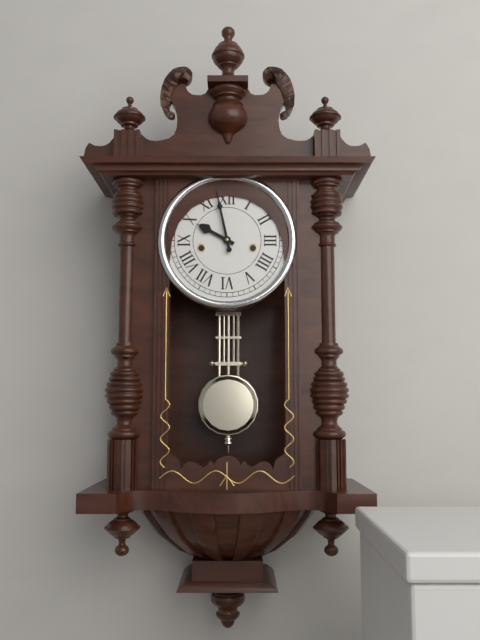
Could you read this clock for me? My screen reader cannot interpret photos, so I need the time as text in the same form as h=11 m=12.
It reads h=9 m=58
